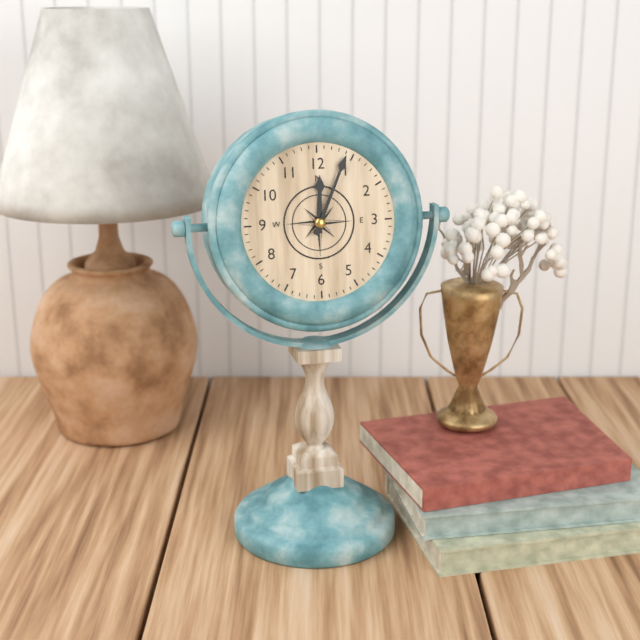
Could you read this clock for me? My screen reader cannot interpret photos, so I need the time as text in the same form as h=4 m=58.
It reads h=12 m=4
